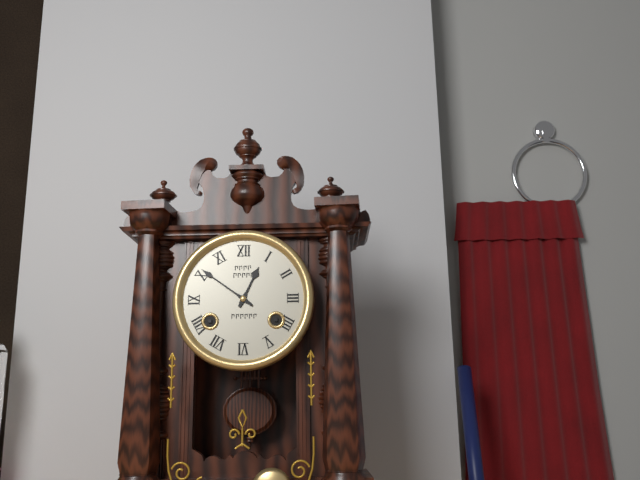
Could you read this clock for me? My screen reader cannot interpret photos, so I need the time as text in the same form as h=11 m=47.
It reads h=12 m=51
